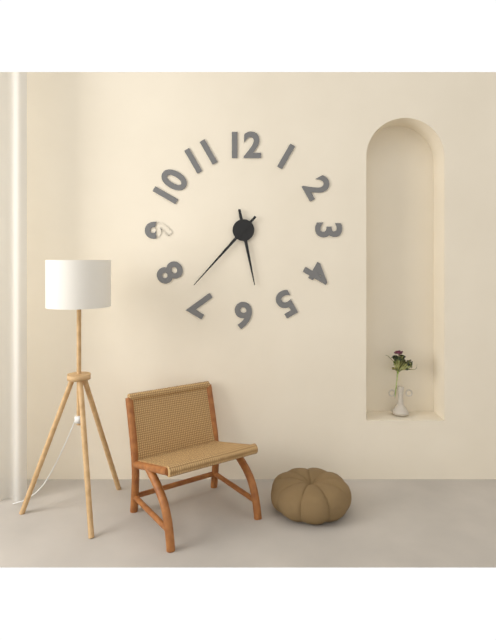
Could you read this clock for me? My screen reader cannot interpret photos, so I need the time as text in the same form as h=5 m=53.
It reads h=5 m=37
